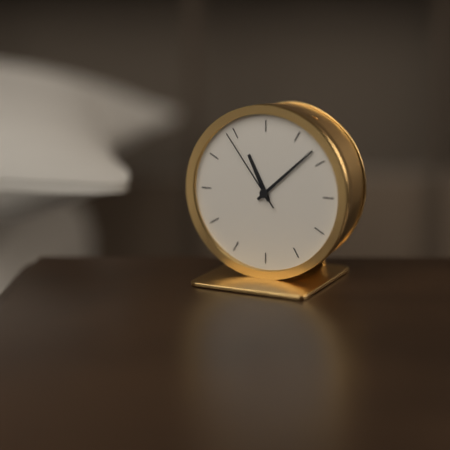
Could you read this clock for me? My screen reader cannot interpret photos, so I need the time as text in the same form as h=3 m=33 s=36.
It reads h=11 m=8 s=54
